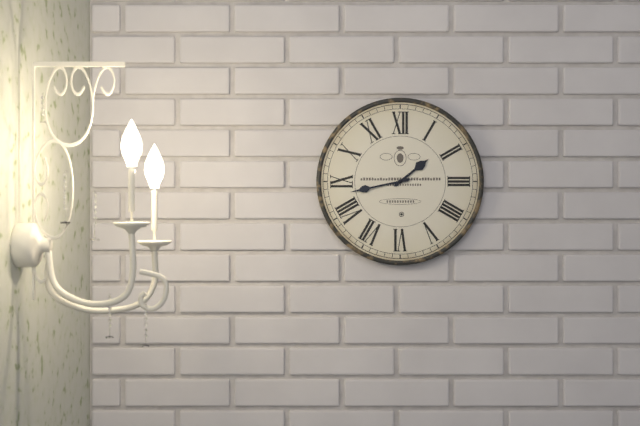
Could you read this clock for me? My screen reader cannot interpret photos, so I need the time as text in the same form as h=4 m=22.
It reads h=1 m=43
